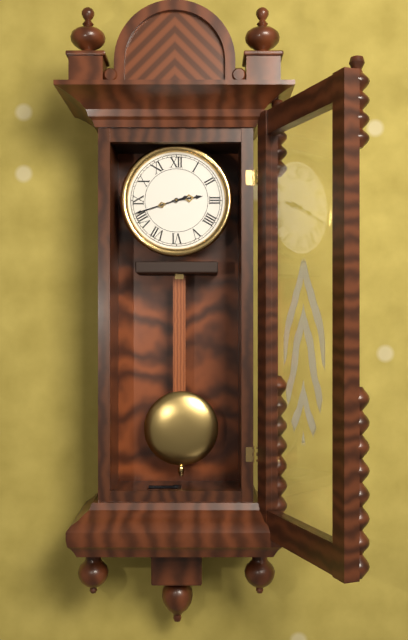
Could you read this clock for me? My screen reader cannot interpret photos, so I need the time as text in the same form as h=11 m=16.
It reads h=2 m=42
